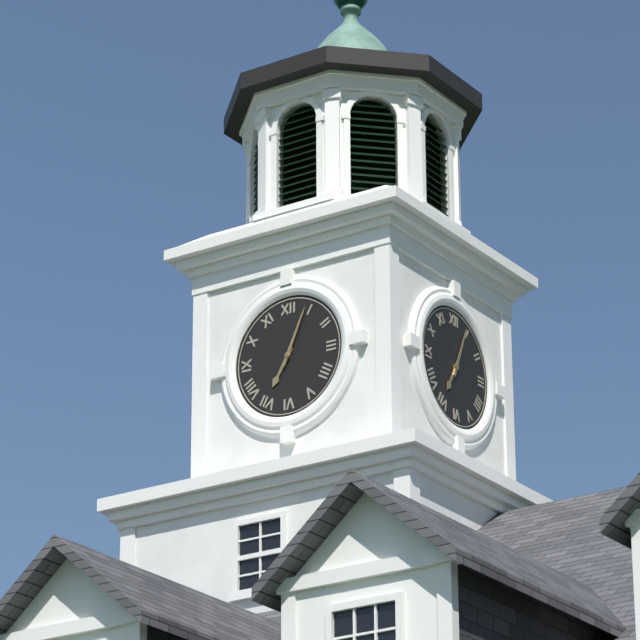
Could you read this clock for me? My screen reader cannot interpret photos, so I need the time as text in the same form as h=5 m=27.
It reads h=7 m=4
